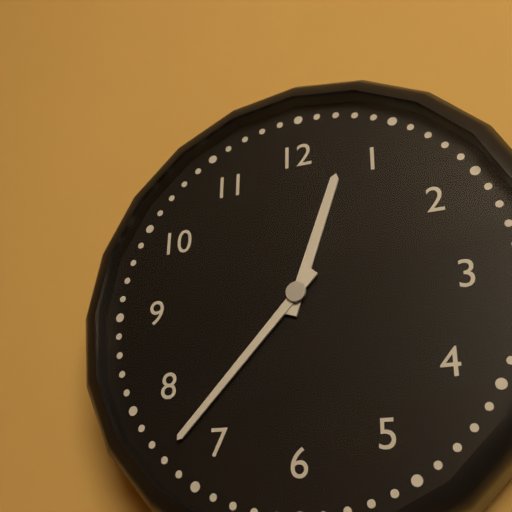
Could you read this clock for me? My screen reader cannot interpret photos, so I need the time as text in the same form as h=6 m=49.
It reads h=12 m=37
